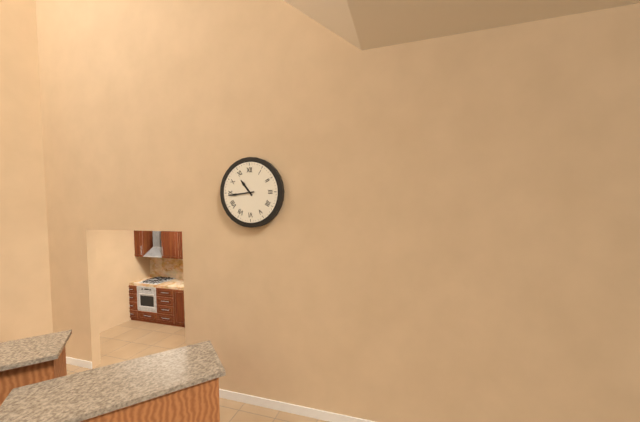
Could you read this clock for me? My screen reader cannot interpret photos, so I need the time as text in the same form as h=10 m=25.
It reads h=10 m=44
